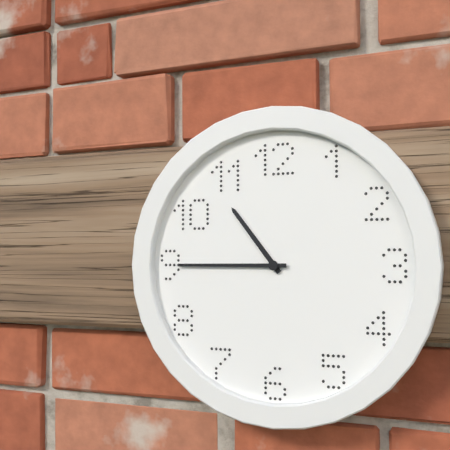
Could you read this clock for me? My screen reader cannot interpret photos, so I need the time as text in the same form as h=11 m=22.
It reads h=10 m=45
